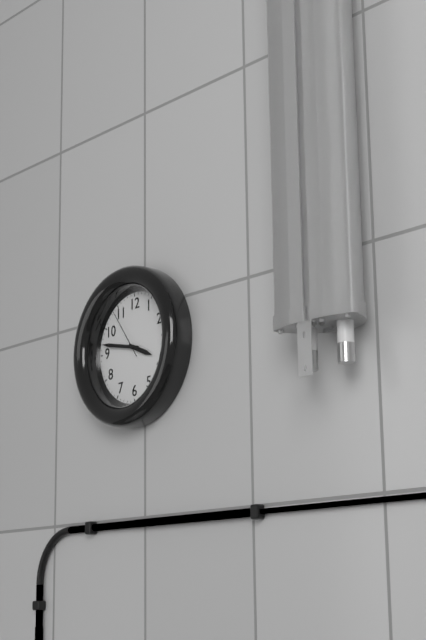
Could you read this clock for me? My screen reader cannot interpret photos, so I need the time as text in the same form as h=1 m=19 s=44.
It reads h=3 m=47 s=54
